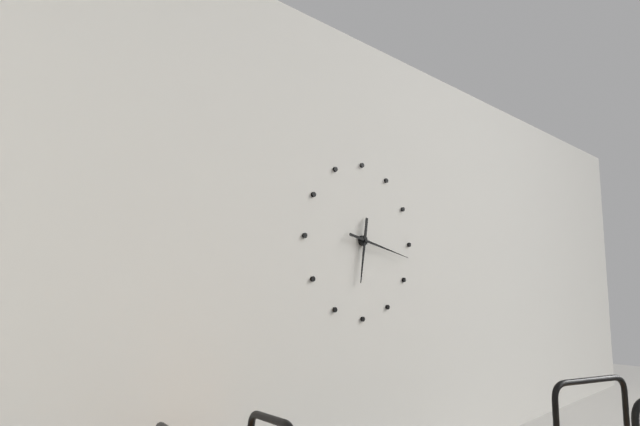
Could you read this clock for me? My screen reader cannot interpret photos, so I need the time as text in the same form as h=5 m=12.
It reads h=6 m=17
